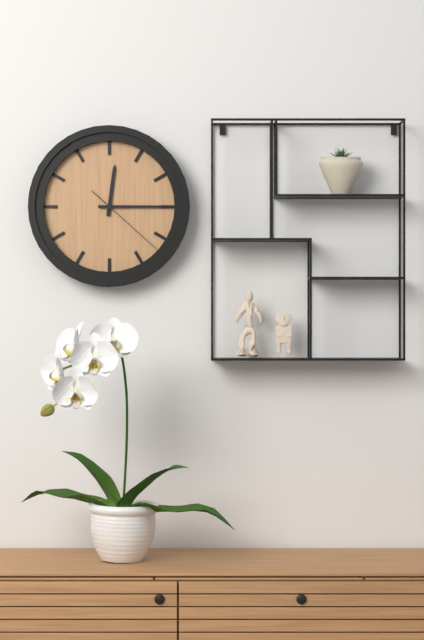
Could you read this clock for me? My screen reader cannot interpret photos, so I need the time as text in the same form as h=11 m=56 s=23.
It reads h=12 m=15 s=22
